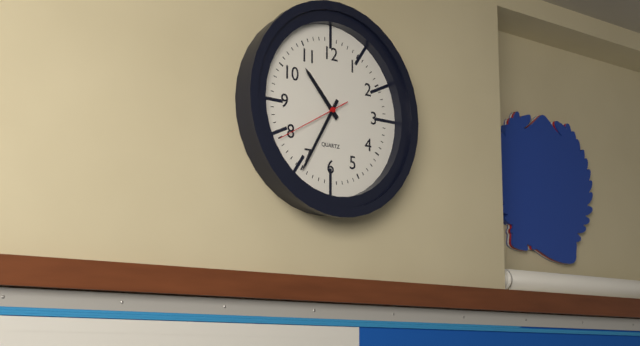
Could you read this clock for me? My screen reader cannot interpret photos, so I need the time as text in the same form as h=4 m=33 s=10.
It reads h=10 m=35 s=40
